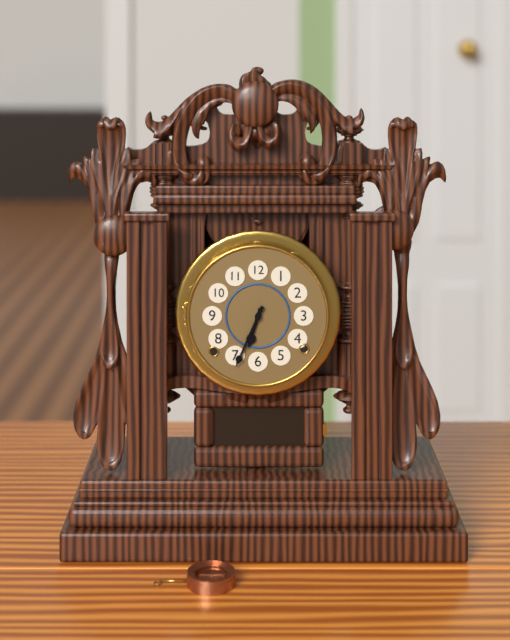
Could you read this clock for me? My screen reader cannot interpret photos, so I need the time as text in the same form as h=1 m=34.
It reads h=6 m=34
